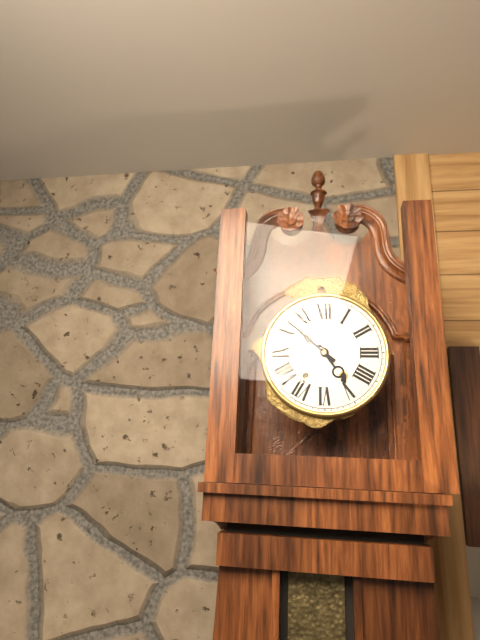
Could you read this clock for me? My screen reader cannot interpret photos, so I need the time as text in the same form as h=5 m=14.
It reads h=4 m=52
